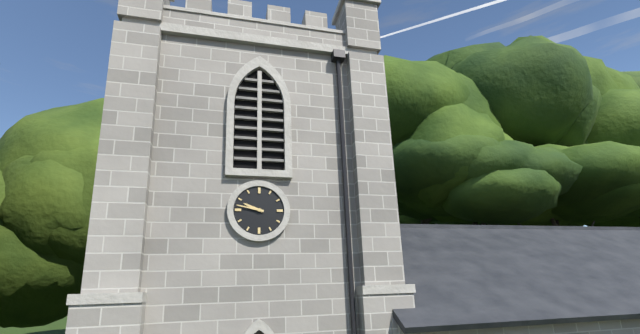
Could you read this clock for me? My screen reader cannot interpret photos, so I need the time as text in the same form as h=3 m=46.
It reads h=9 m=47
